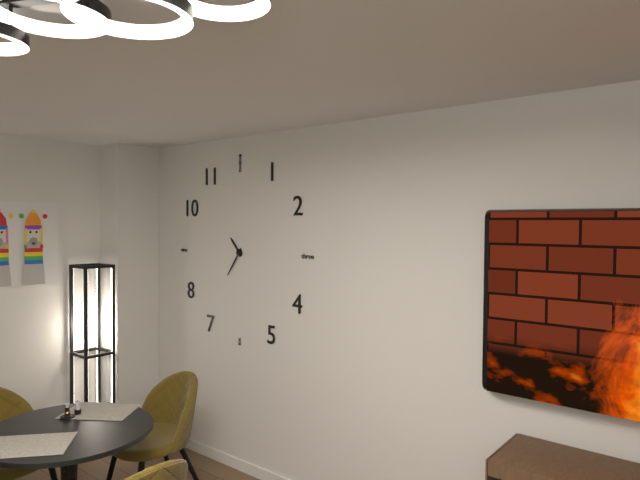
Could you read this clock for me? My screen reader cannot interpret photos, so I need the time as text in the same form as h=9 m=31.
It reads h=10 m=36
